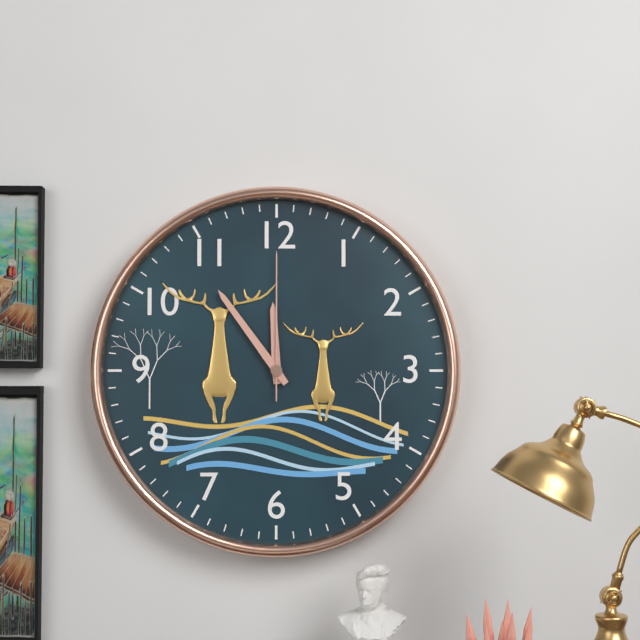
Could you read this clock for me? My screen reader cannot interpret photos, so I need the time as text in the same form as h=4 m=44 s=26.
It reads h=11 m=54 s=0
